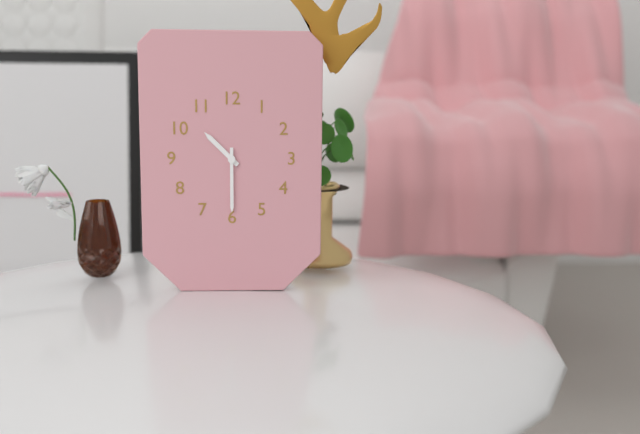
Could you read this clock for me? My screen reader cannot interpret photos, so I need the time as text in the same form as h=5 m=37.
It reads h=10 m=30
